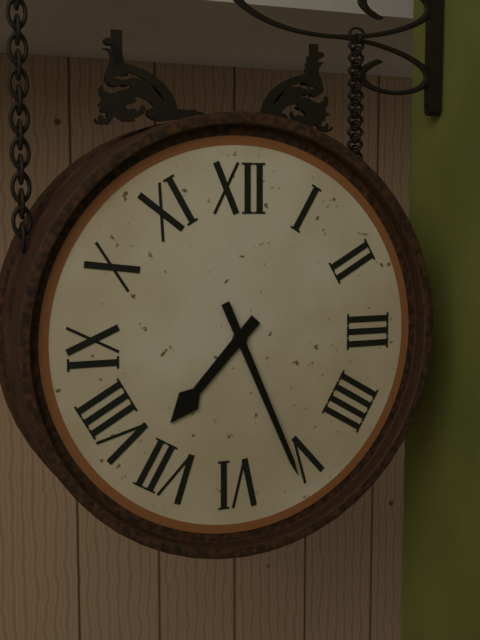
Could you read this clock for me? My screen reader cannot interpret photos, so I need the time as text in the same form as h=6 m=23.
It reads h=7 m=26
